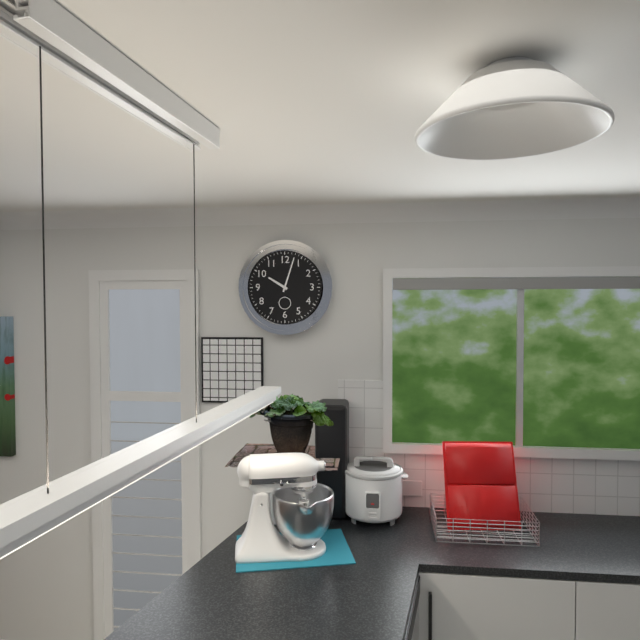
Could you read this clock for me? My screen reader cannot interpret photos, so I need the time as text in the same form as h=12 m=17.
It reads h=10 m=3
